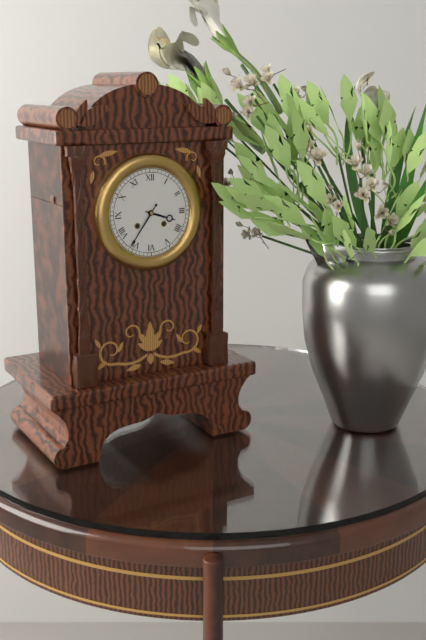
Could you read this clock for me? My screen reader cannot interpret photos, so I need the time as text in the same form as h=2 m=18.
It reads h=3 m=36
